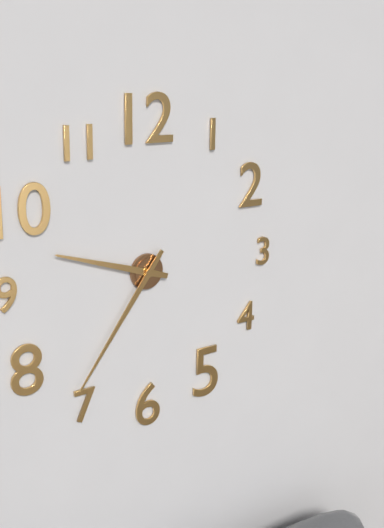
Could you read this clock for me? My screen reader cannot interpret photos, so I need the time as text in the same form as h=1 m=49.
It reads h=9 m=36
